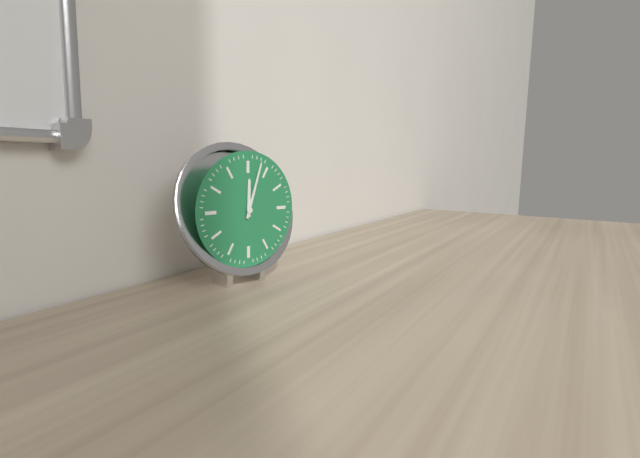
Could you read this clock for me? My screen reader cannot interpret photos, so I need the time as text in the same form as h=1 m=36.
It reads h=12 m=3
